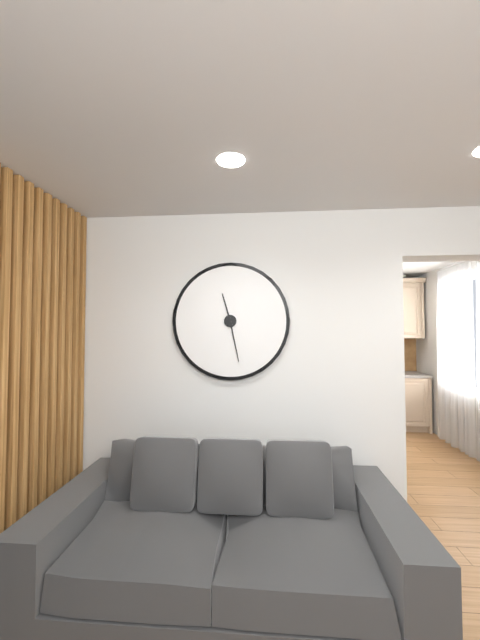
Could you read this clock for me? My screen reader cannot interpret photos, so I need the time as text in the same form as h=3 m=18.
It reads h=11 m=28
